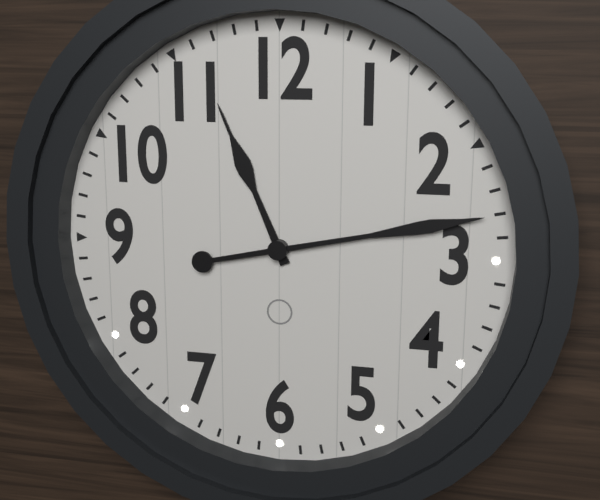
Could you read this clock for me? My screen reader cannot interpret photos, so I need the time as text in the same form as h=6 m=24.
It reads h=11 m=13
